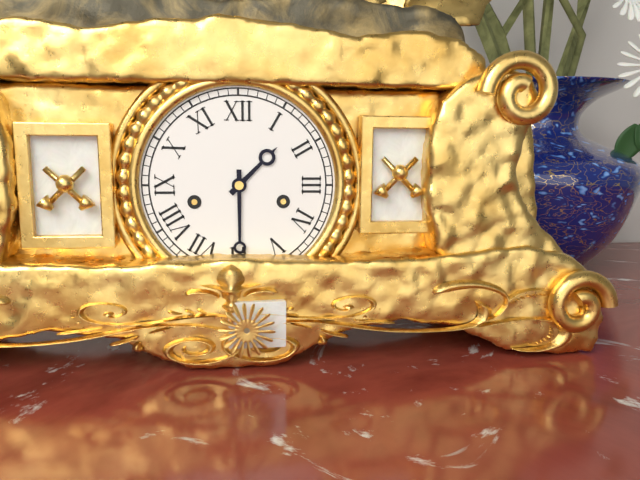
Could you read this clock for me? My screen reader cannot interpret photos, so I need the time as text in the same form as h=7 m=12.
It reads h=1 m=30
